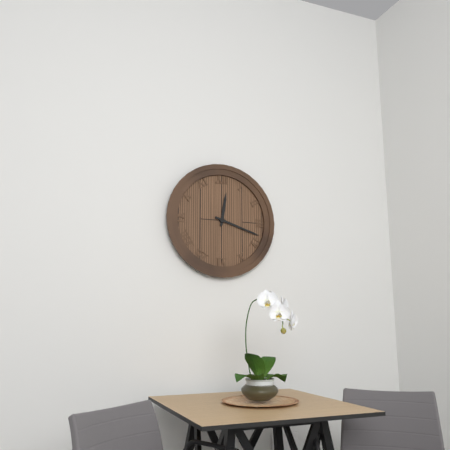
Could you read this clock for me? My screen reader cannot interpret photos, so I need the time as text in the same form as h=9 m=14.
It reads h=12 m=18
